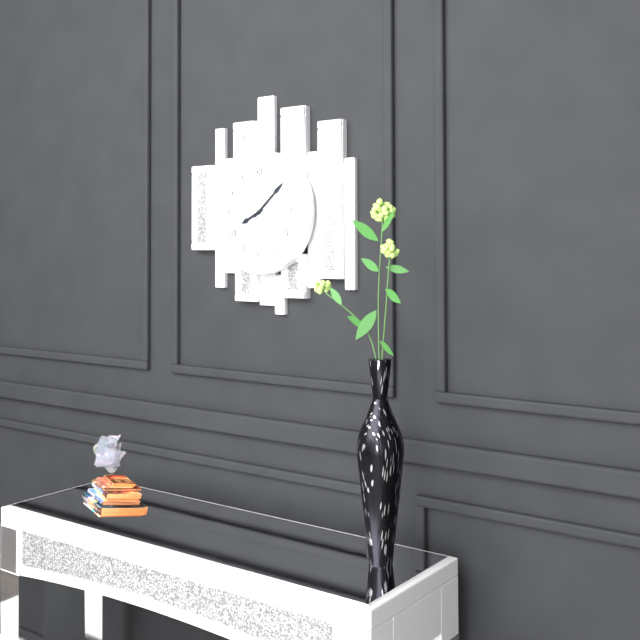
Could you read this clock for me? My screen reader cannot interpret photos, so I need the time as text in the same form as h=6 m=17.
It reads h=8 m=8
